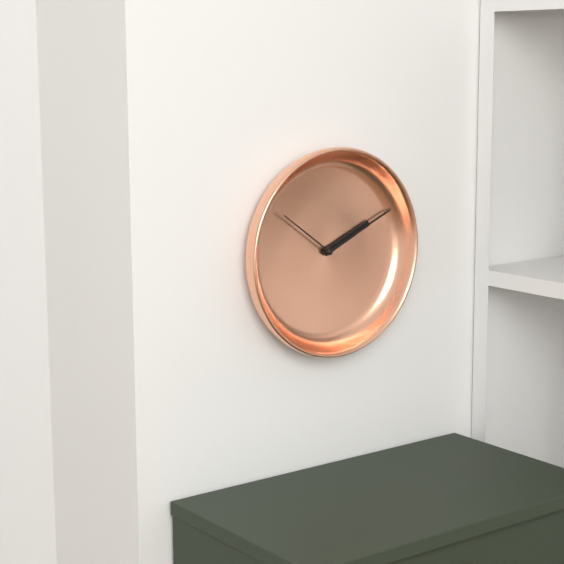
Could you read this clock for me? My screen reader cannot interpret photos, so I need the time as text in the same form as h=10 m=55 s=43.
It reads h=2 m=11 s=51
